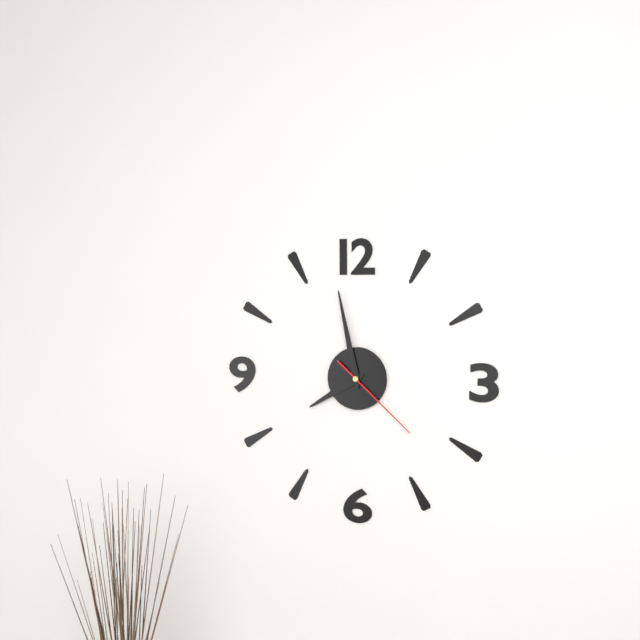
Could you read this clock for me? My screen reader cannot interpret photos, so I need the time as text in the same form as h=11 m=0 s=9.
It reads h=7 m=58 s=22
